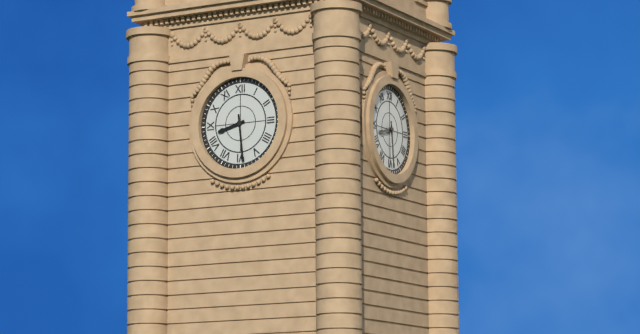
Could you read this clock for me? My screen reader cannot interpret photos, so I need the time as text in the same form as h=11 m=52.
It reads h=8 m=29
